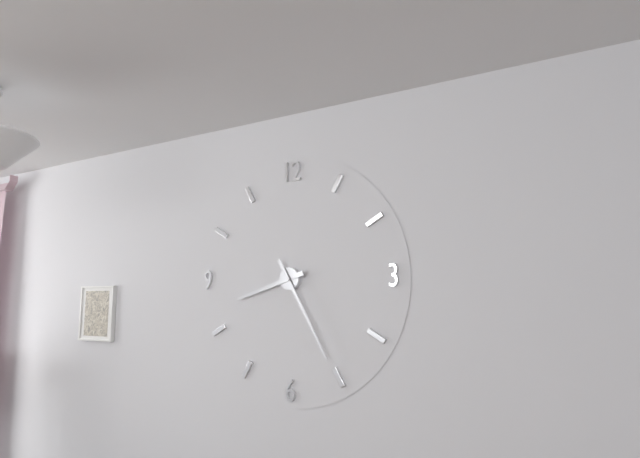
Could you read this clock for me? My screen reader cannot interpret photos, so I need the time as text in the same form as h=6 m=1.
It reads h=8 m=25
